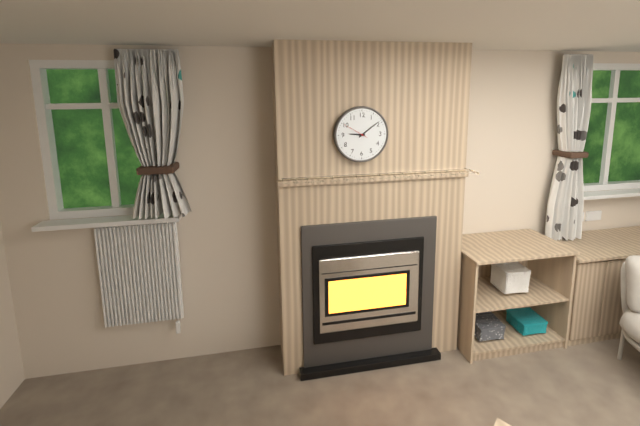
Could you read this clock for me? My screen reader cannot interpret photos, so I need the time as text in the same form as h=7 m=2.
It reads h=9 m=9
